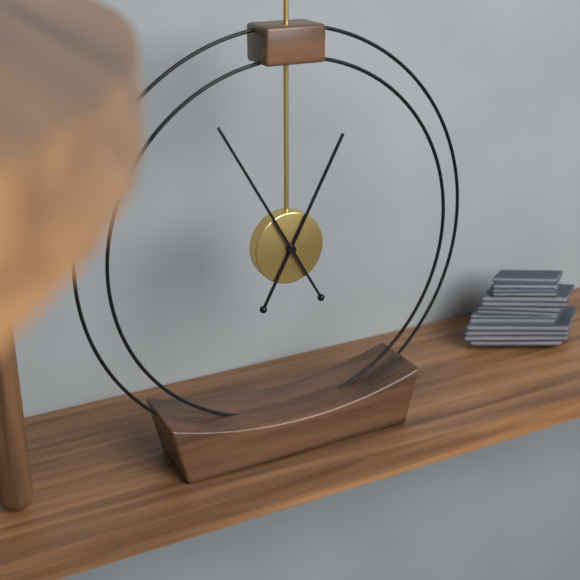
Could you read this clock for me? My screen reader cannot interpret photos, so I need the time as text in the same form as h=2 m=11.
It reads h=12 m=55
